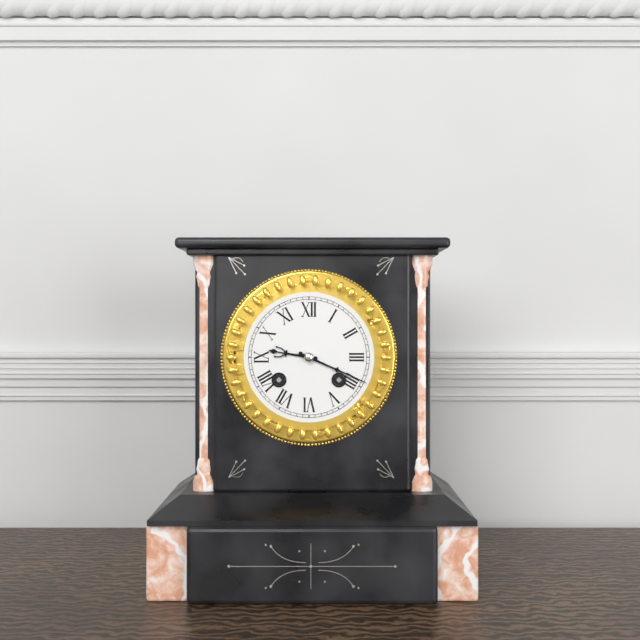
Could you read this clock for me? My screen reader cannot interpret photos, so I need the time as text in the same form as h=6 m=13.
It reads h=9 m=19
